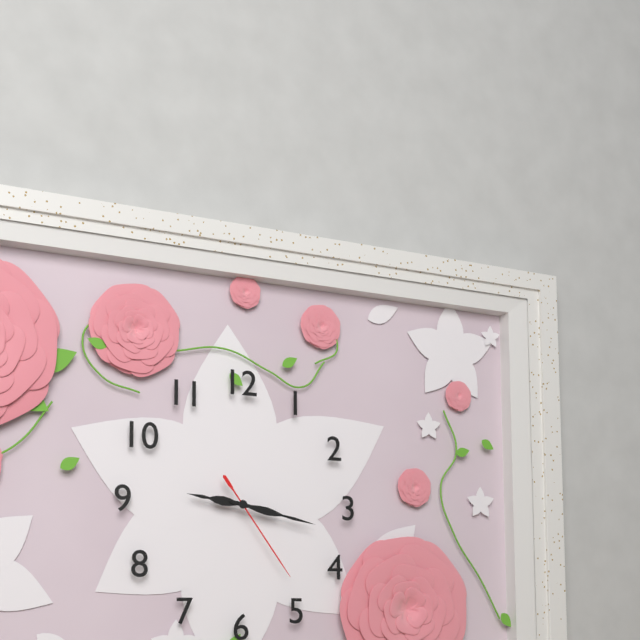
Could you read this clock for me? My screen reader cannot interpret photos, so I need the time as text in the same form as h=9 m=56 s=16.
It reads h=9 m=17 s=24
